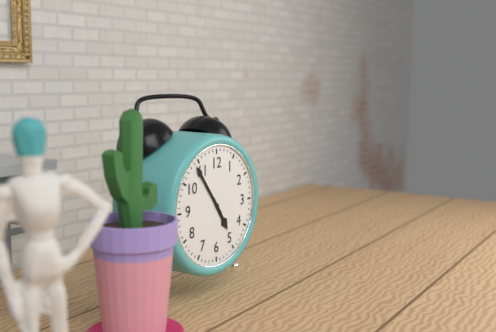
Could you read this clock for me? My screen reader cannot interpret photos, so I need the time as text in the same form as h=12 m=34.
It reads h=4 m=54
